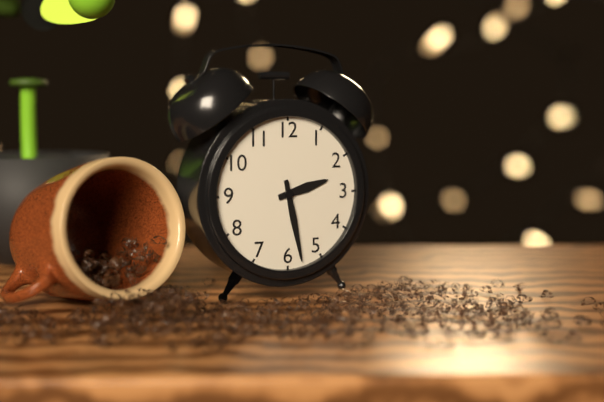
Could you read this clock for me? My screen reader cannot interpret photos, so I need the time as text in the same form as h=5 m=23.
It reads h=2 m=28
